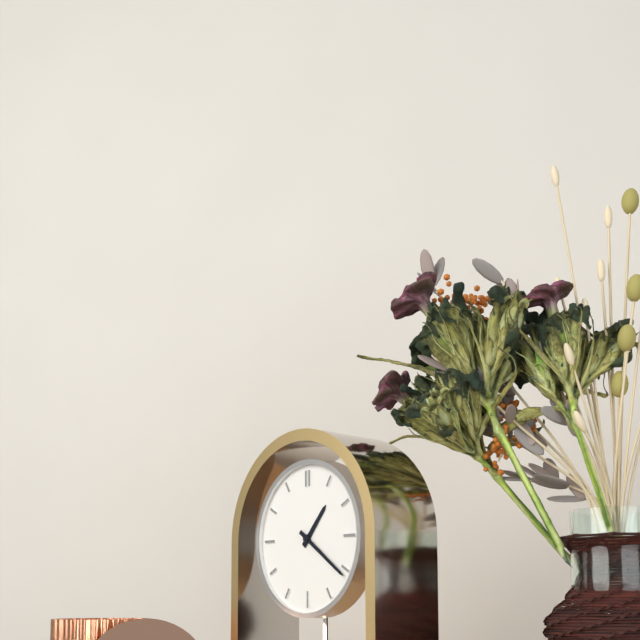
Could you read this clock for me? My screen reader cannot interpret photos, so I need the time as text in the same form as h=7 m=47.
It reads h=1 m=21
